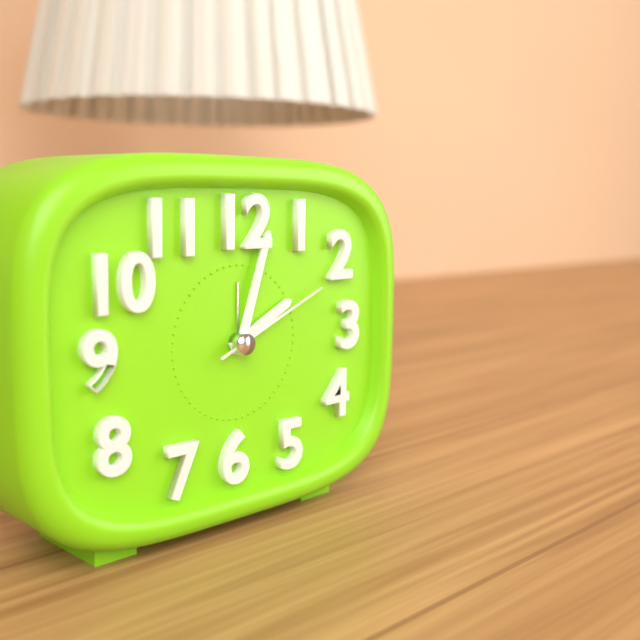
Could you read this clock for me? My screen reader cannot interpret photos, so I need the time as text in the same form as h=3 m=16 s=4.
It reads h=2 m=3 s=11
